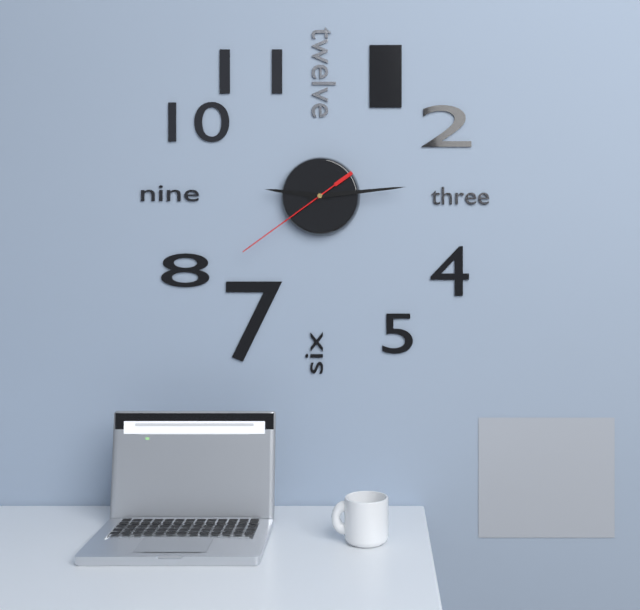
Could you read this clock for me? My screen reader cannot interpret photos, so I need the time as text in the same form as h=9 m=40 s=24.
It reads h=9 m=14 s=39
